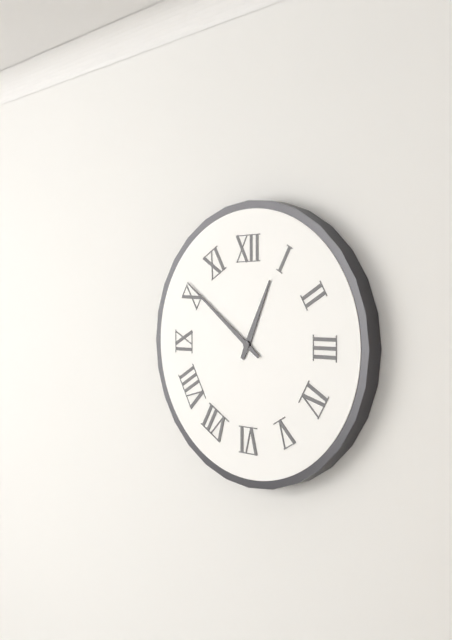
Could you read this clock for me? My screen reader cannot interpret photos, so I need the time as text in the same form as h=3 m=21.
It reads h=12 m=51
